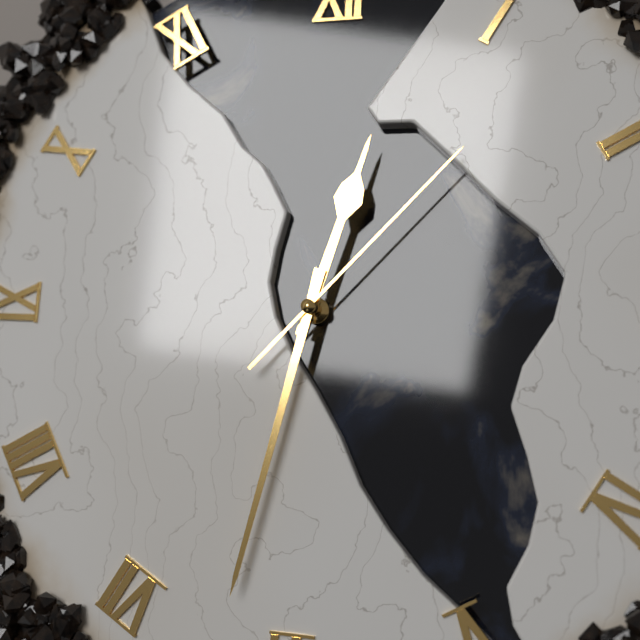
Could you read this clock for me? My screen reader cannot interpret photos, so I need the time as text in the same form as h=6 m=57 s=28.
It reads h=12 m=32 s=7
